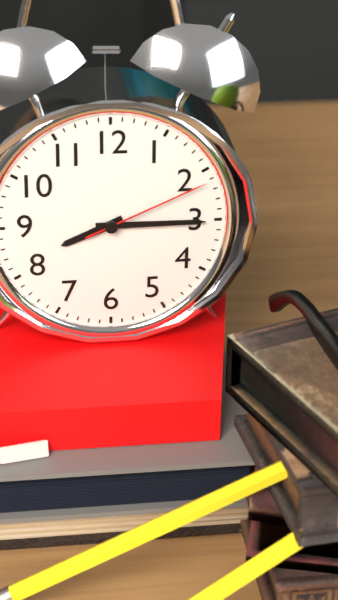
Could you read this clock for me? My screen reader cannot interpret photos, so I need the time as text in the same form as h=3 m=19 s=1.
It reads h=8 m=15 s=11
